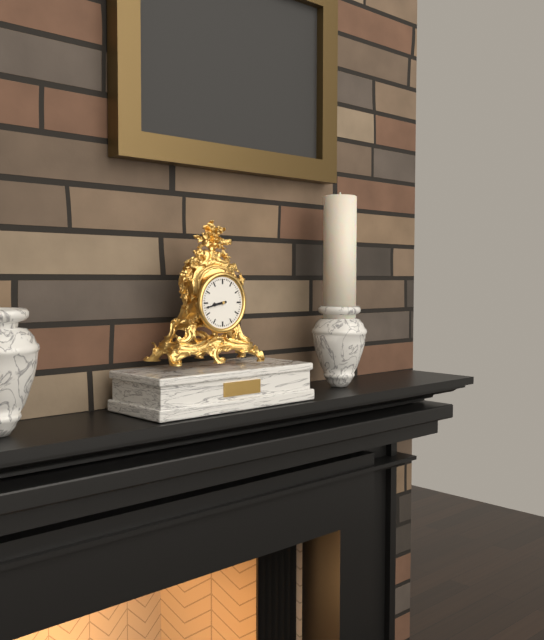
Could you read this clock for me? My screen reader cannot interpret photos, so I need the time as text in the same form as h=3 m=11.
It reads h=8 m=43
